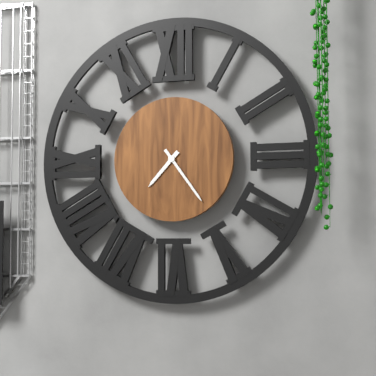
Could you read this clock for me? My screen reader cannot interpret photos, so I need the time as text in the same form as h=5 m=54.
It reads h=7 m=24
